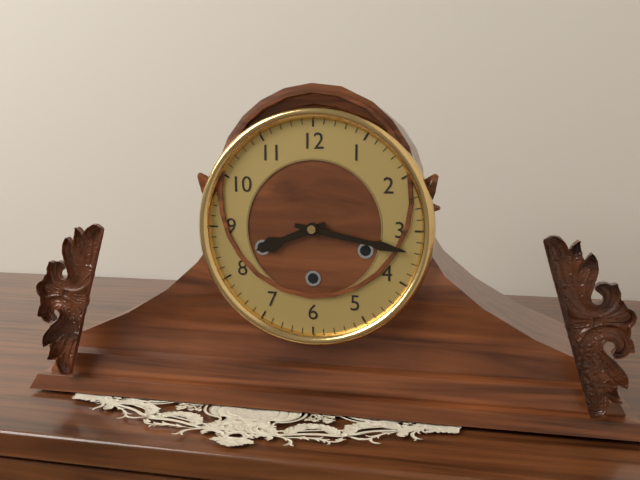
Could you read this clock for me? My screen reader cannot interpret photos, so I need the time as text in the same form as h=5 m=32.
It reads h=8 m=17
